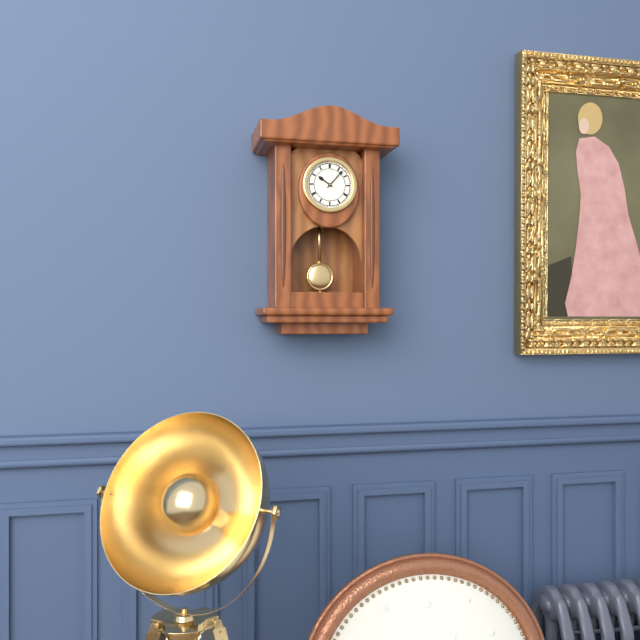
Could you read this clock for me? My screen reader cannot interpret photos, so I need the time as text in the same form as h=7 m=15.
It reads h=10 m=7
